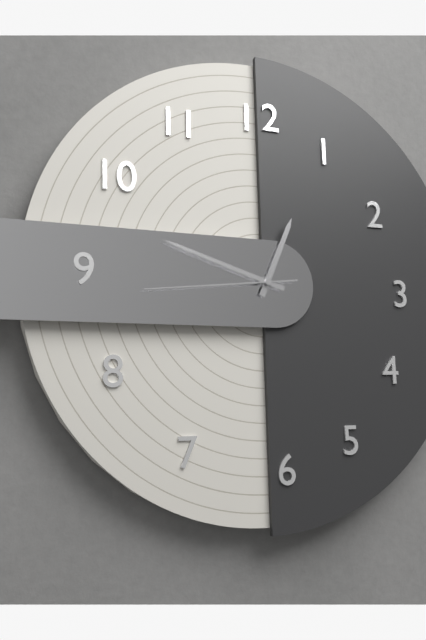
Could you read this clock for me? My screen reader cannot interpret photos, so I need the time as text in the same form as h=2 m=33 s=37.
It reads h=12 m=48 s=44
